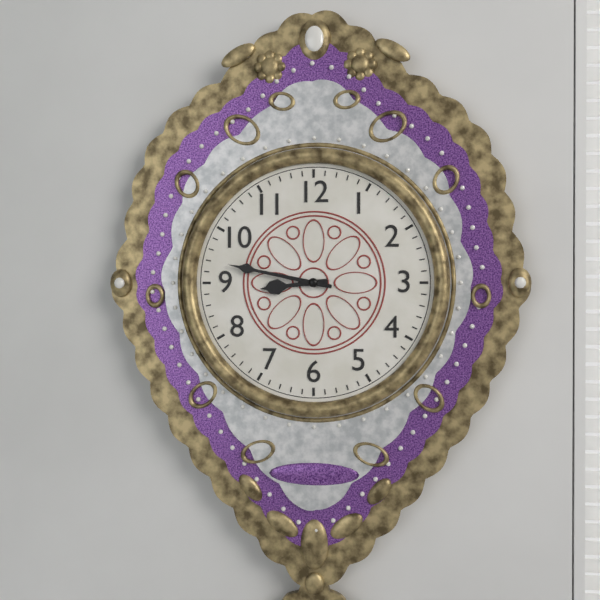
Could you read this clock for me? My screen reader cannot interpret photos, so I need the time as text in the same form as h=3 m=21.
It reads h=8 m=47
